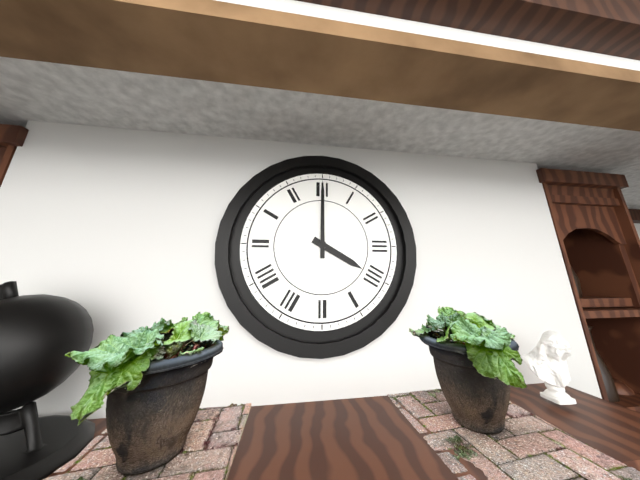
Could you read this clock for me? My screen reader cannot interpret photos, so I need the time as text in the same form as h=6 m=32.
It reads h=4 m=0
